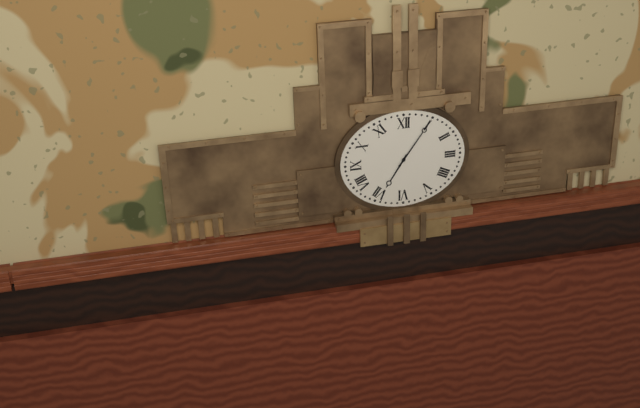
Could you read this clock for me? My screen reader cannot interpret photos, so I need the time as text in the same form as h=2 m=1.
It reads h=7 m=6
